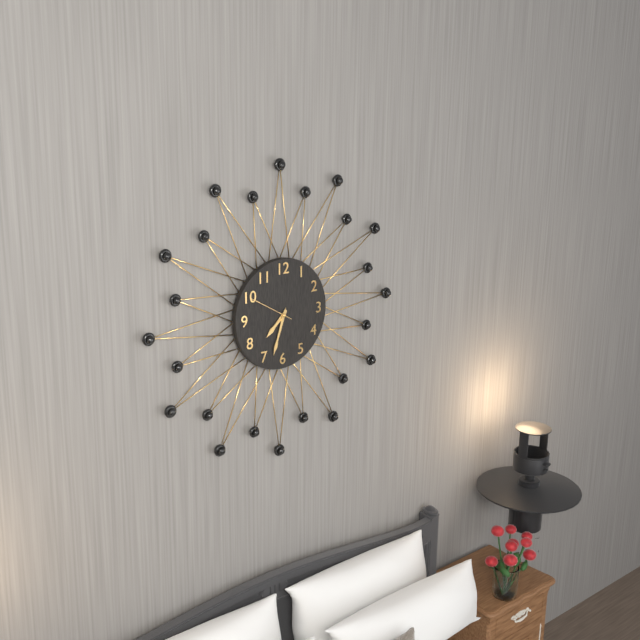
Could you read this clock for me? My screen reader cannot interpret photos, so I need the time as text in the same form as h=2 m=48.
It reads h=7 m=33
